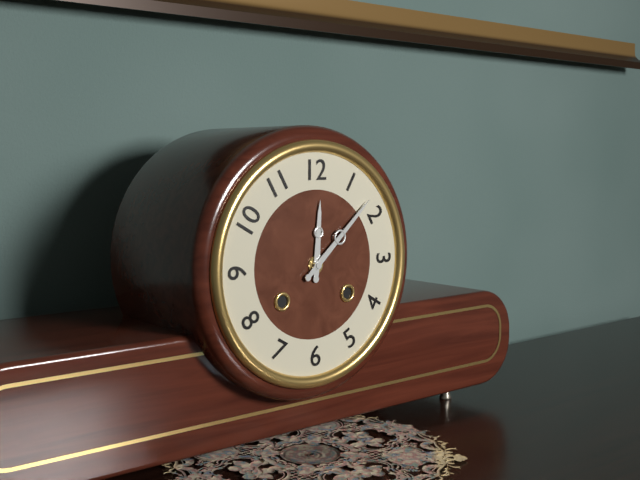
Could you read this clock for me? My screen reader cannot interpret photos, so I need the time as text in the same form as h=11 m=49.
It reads h=12 m=8
